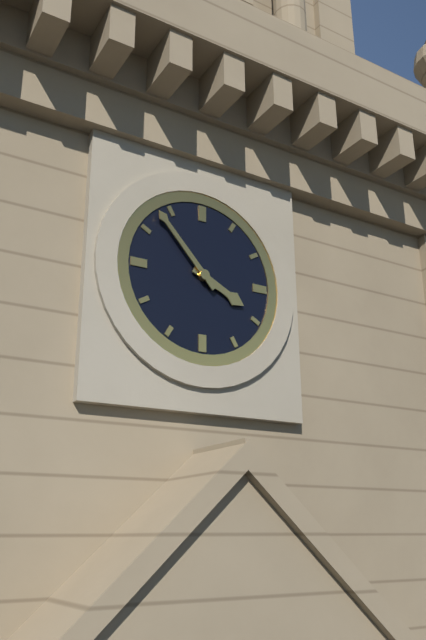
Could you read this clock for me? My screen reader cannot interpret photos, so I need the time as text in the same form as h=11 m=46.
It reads h=3 m=53
